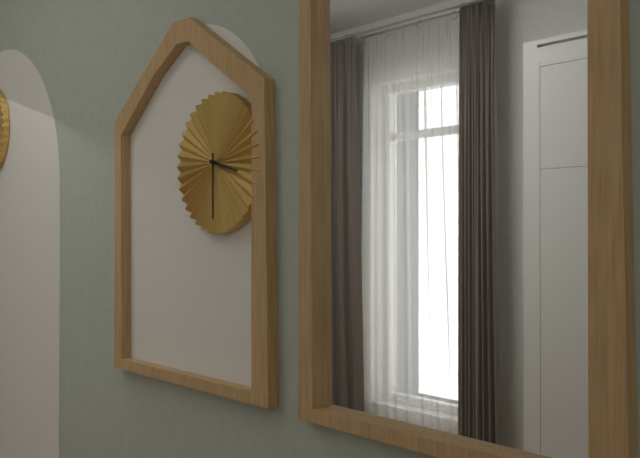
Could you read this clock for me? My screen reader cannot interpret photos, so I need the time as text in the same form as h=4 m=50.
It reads h=3 m=30
